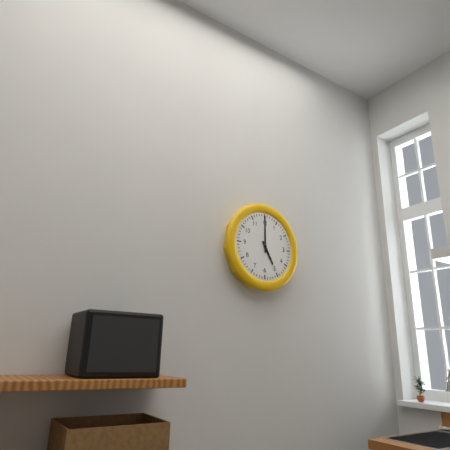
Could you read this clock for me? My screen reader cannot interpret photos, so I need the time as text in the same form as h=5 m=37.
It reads h=5 m=0
